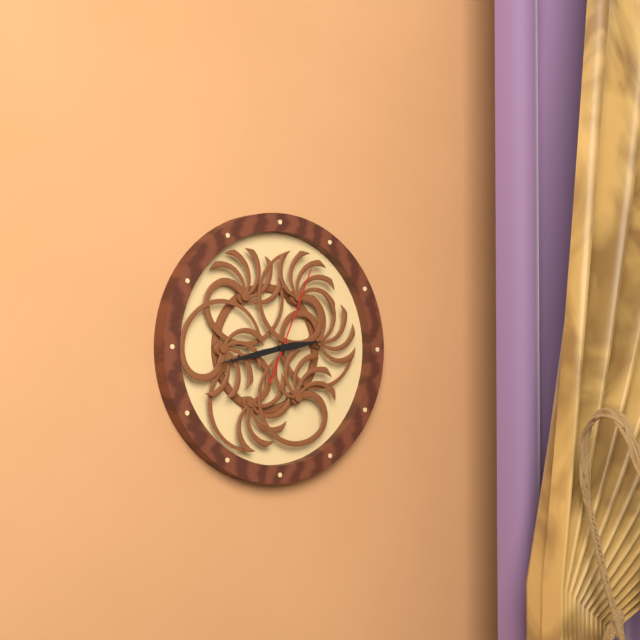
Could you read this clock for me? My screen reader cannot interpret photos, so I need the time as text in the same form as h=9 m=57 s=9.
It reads h=2 m=43 s=4
